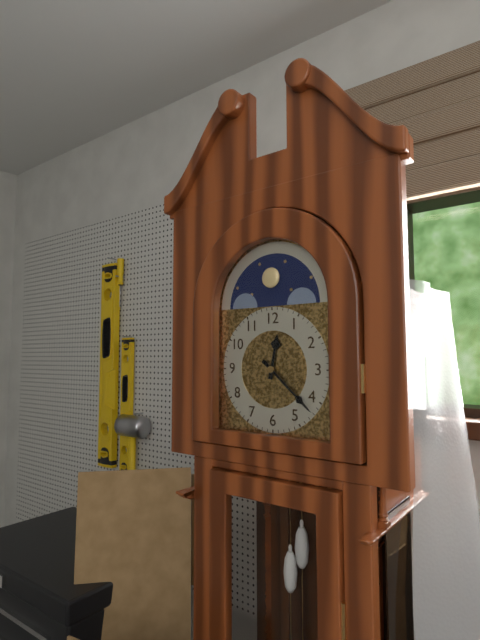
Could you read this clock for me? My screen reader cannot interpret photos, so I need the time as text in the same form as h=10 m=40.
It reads h=12 m=22
